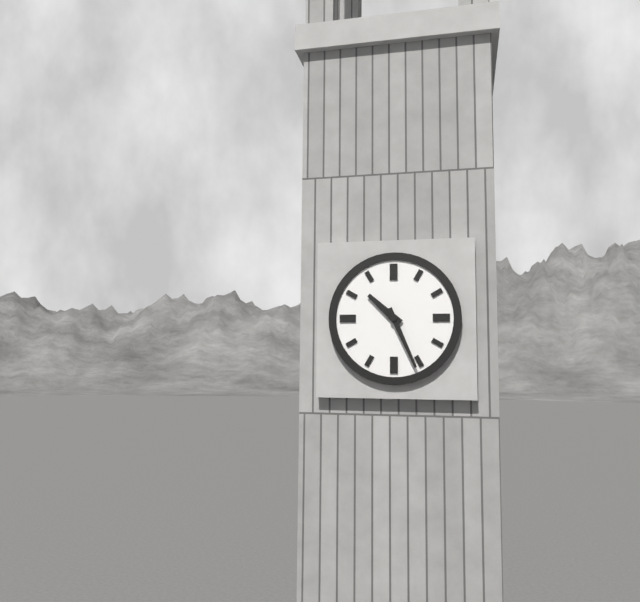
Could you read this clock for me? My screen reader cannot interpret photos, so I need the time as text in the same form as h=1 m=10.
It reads h=10 m=26
